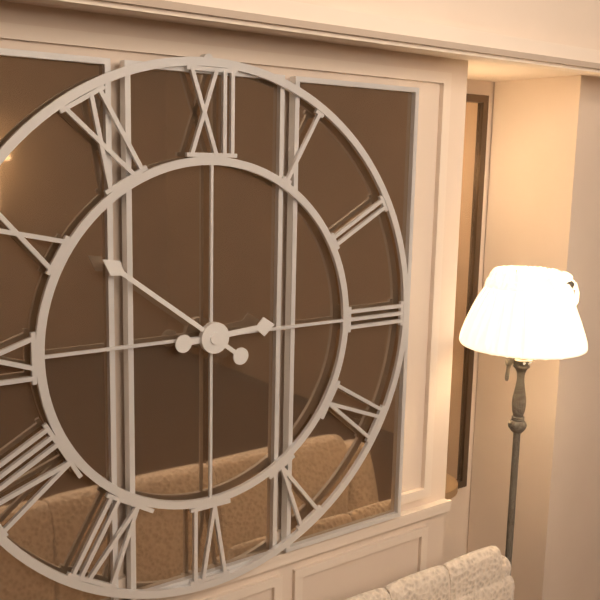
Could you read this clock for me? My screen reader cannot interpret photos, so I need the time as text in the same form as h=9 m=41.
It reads h=2 m=51
